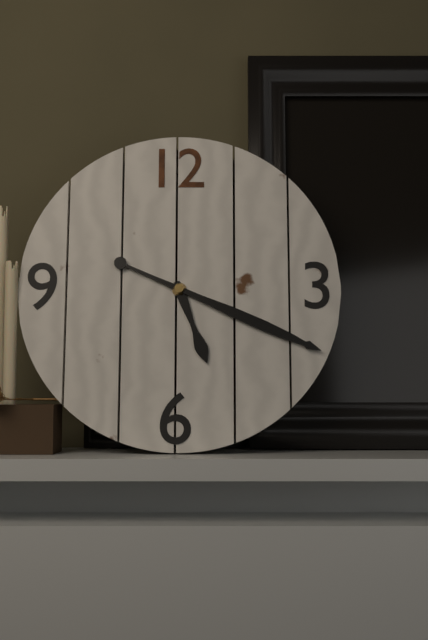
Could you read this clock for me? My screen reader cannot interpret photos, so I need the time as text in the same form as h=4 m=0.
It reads h=5 m=19
